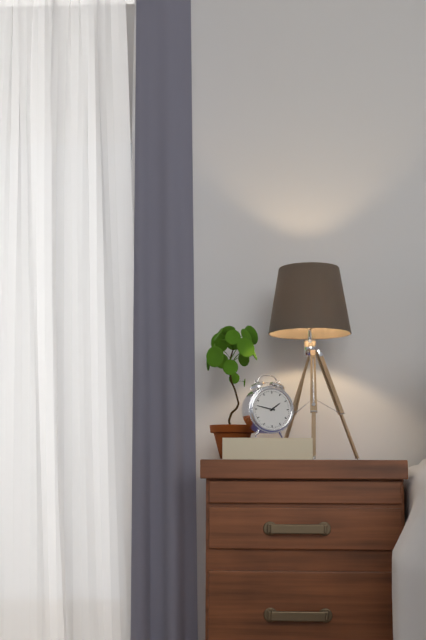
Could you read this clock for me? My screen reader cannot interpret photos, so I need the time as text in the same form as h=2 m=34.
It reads h=1 m=47
